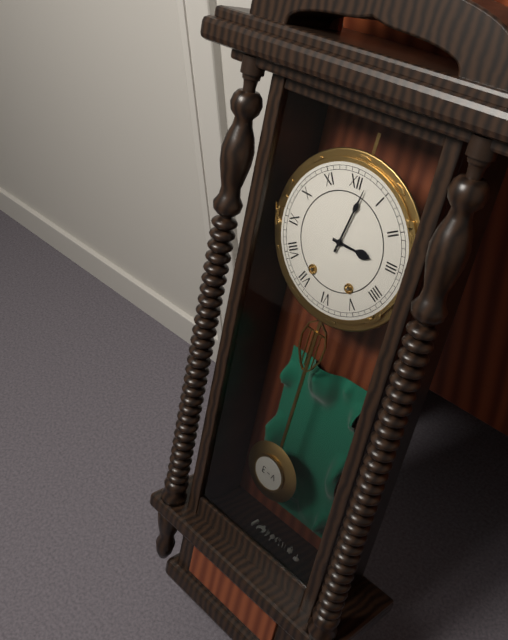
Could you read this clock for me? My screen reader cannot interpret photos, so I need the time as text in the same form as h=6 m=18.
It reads h=3 m=2
